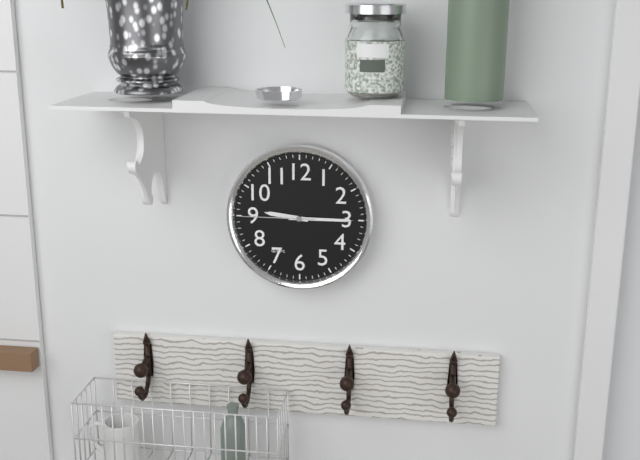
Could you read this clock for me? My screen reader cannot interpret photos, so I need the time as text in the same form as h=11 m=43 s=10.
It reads h=9 m=15 s=45
